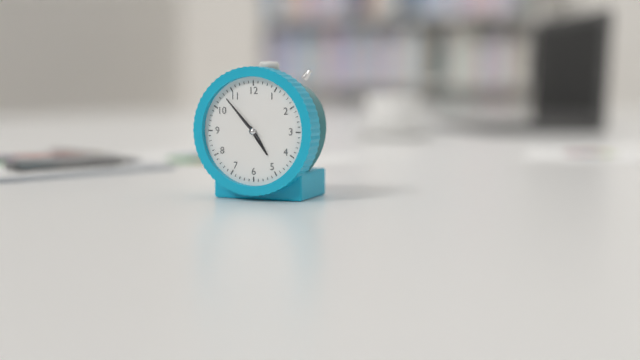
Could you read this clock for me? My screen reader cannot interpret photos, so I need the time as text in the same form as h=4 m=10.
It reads h=4 m=53
